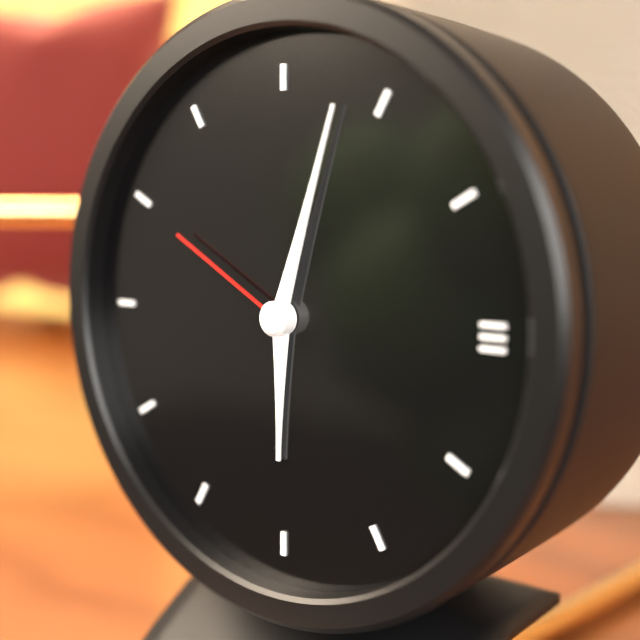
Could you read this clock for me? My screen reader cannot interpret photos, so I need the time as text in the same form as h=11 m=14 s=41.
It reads h=6 m=3 s=50
